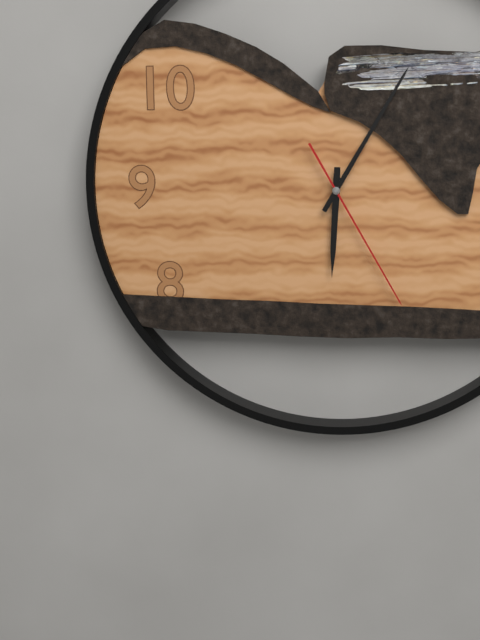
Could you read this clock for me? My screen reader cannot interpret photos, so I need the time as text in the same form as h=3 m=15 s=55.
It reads h=6 m=5 s=25
